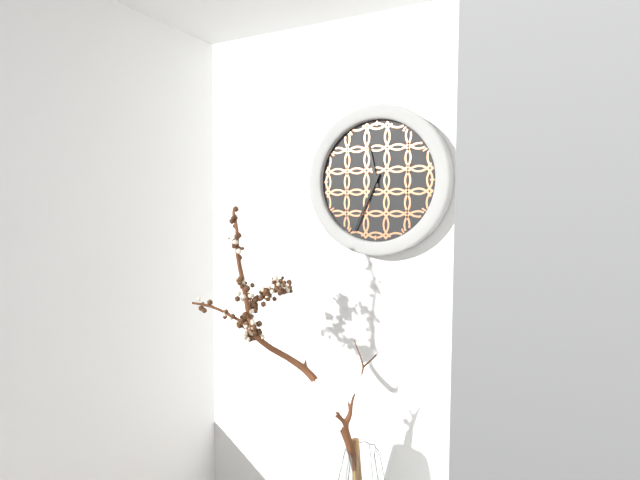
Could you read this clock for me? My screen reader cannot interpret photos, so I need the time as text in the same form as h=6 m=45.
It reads h=11 m=34
